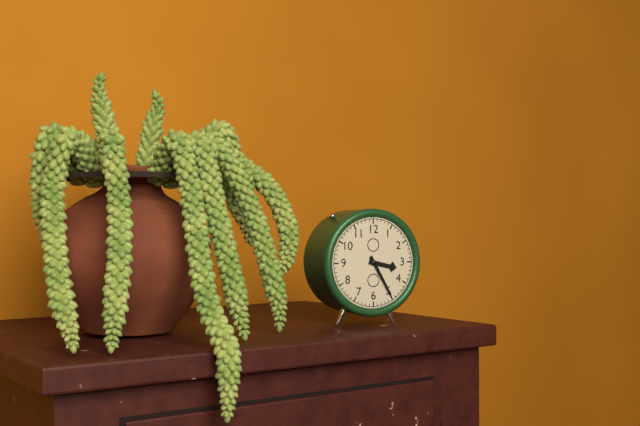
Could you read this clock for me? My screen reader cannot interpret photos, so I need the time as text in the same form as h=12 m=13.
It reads h=3 m=25
